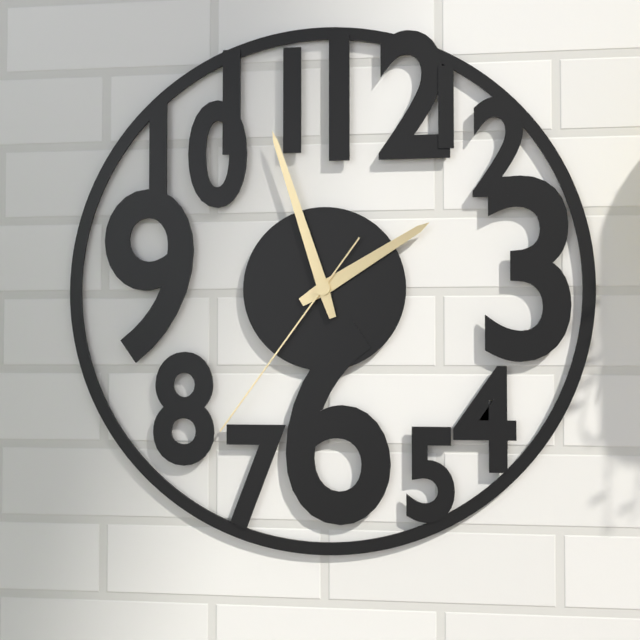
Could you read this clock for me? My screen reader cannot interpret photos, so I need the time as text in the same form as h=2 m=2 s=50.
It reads h=1 m=57 s=36
